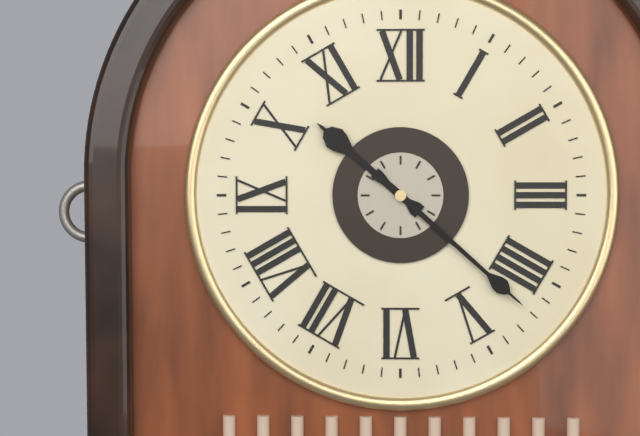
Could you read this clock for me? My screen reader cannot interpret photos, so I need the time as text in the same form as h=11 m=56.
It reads h=10 m=22
